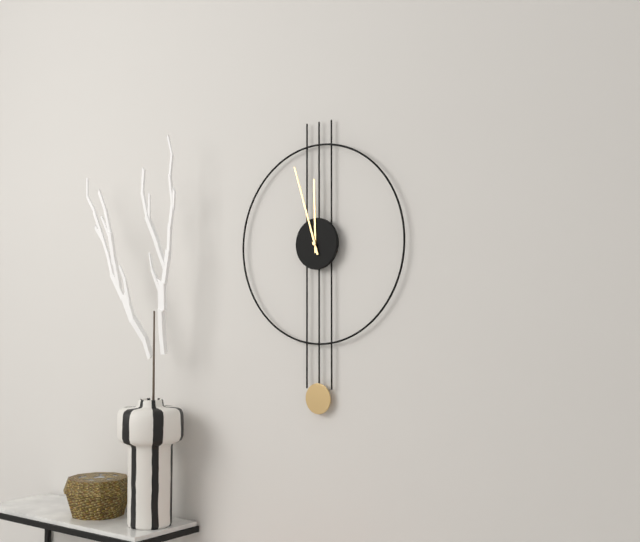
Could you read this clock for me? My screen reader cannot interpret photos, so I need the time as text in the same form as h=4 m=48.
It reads h=11 m=57
